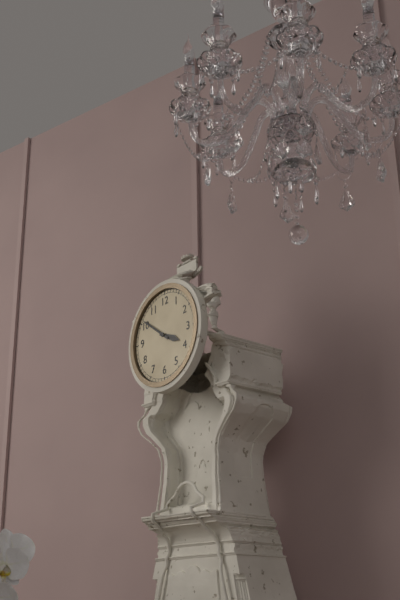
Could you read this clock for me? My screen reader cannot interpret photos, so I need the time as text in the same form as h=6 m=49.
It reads h=3 m=51
